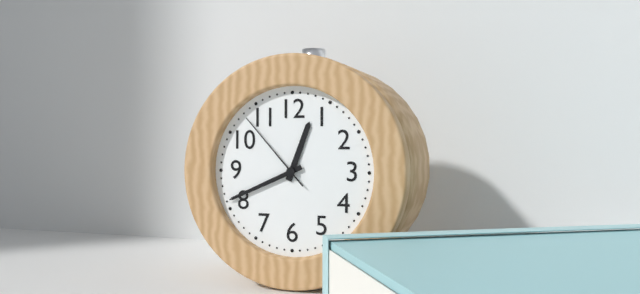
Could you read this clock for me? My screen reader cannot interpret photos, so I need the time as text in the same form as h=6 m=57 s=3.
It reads h=12 m=41 s=53
